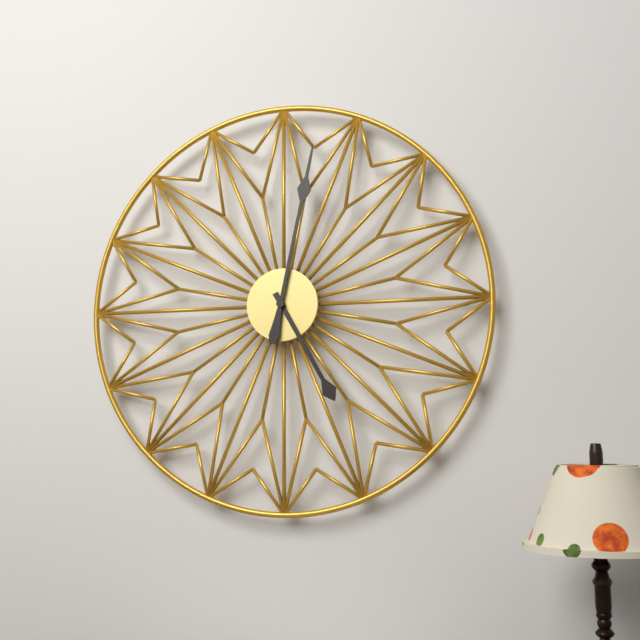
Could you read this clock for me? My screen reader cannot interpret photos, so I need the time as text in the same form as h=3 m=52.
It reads h=5 m=2
